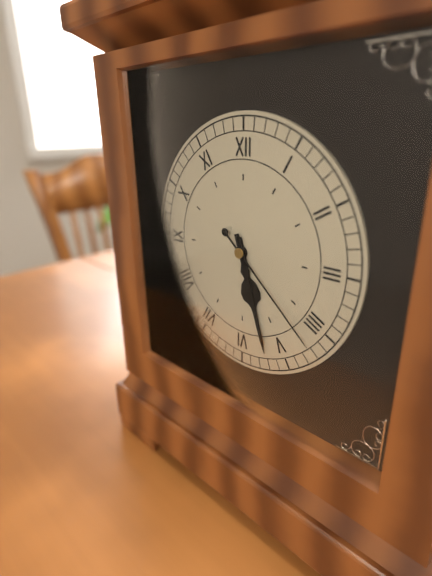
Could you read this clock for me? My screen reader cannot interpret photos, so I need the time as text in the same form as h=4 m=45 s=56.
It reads h=5 m=27 s=22
